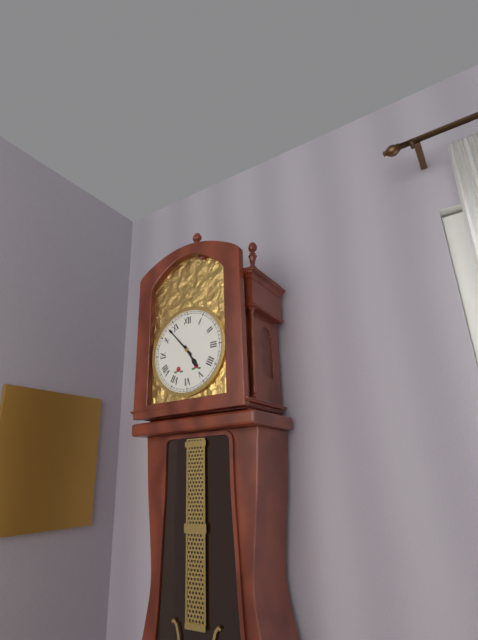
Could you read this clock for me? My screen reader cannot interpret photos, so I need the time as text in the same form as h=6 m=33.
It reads h=4 m=53
